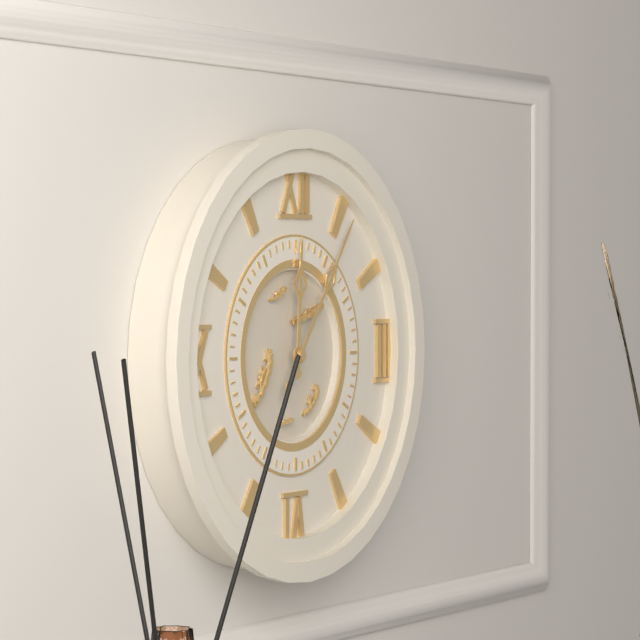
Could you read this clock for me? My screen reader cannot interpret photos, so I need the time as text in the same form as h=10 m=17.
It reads h=12 m=6
